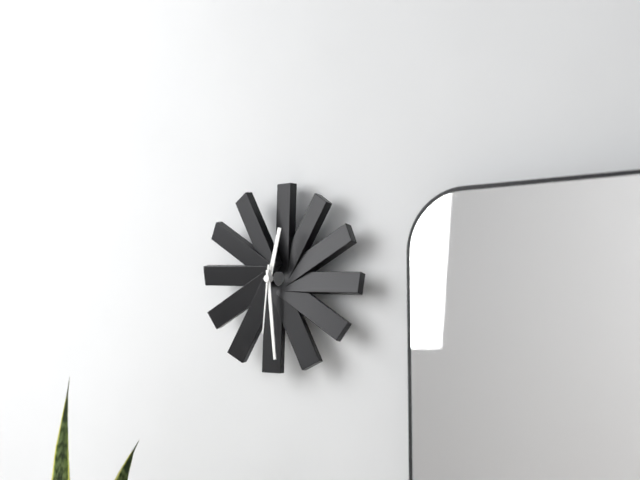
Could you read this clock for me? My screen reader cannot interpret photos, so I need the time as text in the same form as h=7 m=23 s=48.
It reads h=12 m=29 s=31
